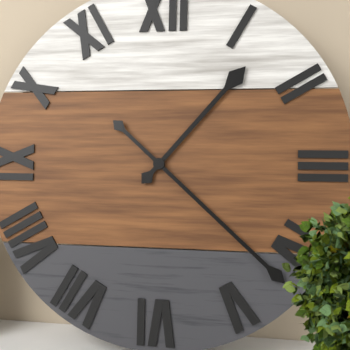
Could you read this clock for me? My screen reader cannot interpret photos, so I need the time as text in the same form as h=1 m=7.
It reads h=1 m=22
